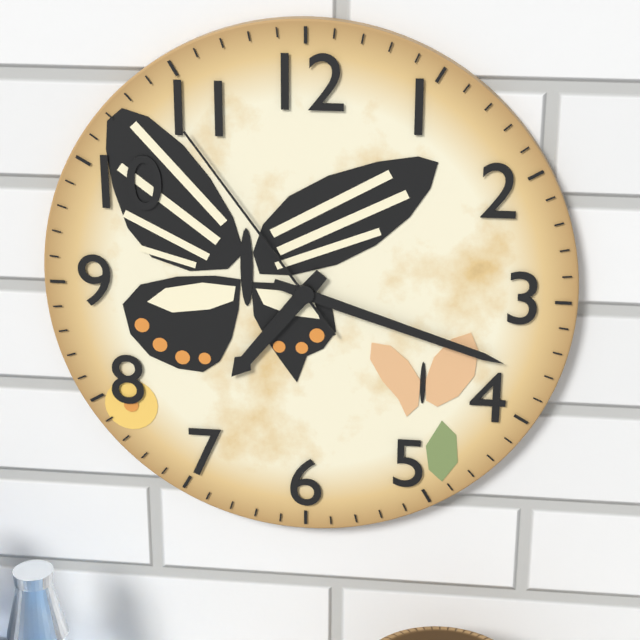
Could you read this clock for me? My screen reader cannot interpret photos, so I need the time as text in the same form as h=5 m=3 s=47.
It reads h=7 m=18 s=54
